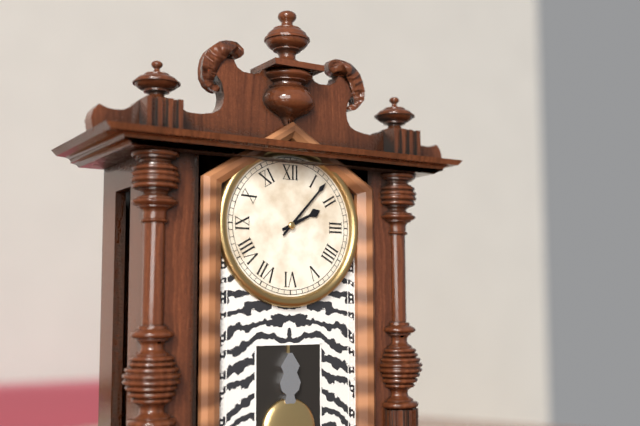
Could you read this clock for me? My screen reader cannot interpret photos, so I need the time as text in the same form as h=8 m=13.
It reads h=2 m=7
